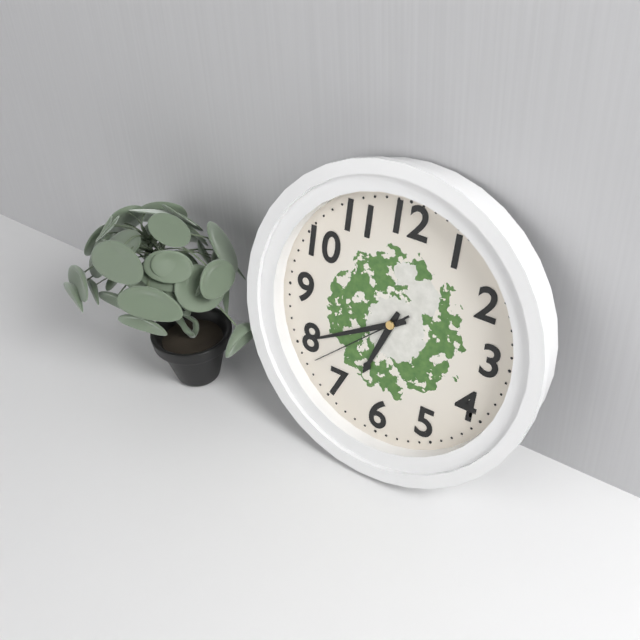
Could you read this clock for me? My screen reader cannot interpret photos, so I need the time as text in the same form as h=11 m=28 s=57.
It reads h=6 m=40 s=38
